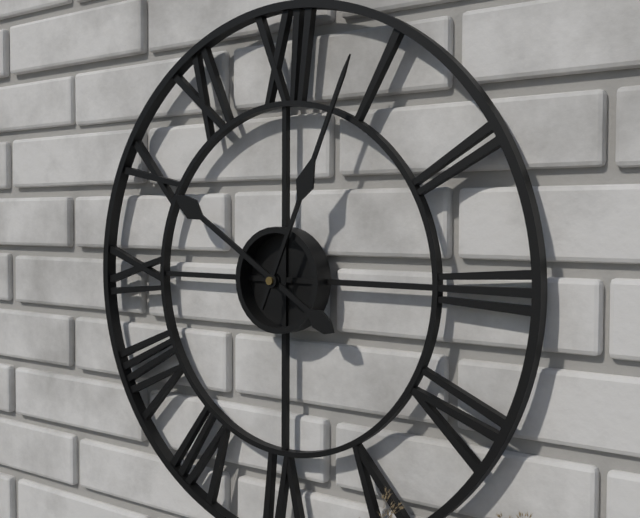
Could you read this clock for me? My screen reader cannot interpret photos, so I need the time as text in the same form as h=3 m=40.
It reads h=10 m=4
